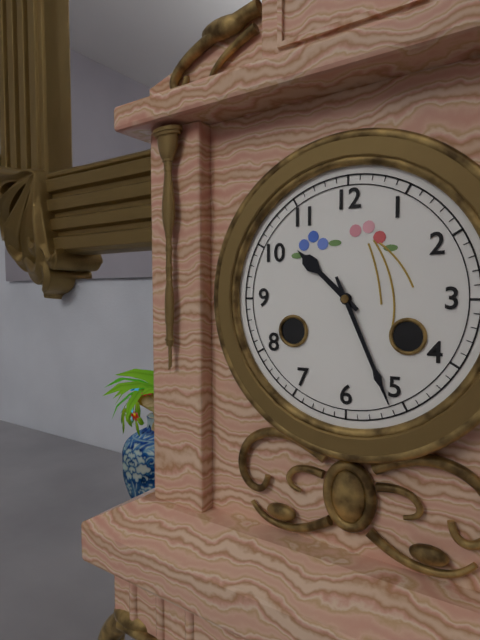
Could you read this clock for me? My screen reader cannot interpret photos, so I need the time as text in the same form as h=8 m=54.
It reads h=10 m=26
